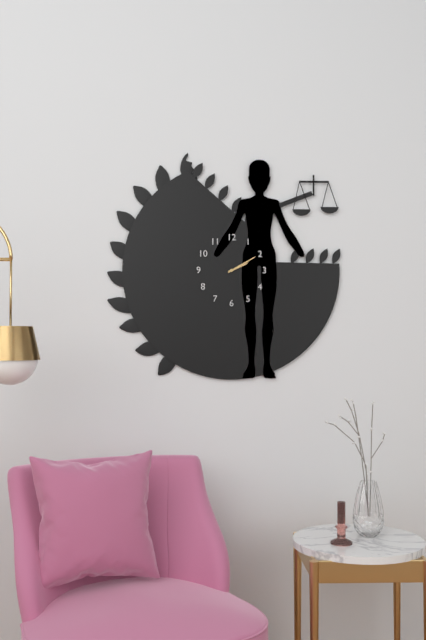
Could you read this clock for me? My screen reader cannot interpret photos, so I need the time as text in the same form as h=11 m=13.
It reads h=2 m=10
